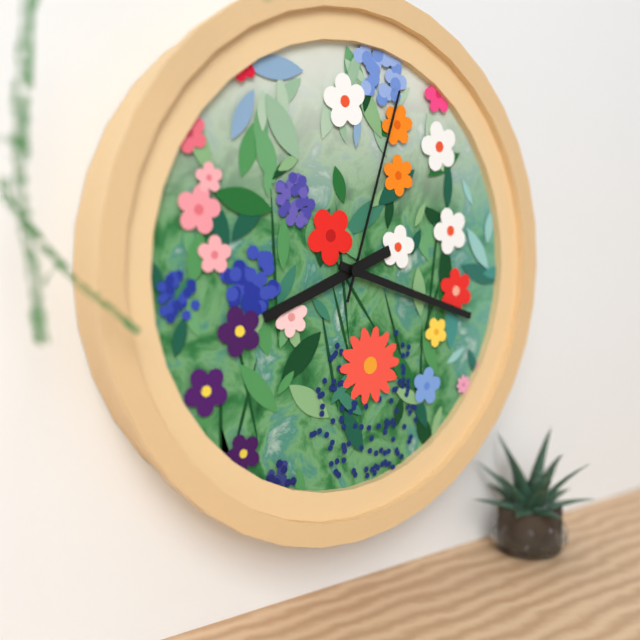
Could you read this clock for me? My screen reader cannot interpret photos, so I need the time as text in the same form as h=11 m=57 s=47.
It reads h=8 m=18 s=3
